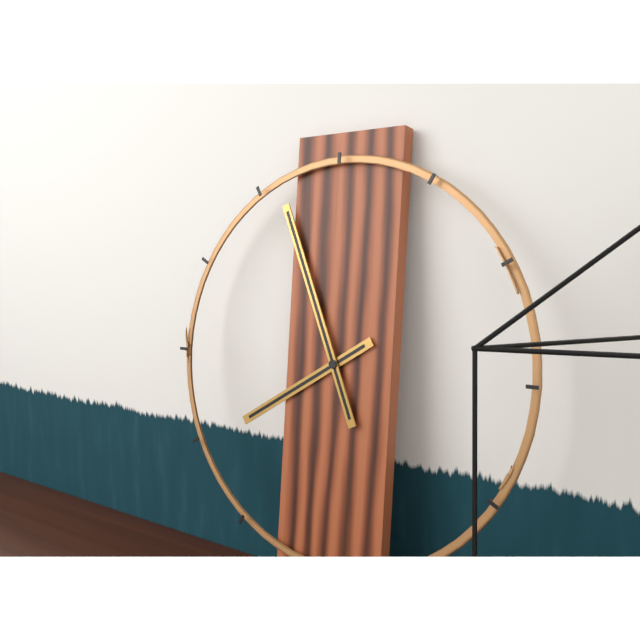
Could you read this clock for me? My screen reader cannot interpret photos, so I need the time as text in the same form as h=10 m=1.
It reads h=7 m=56
